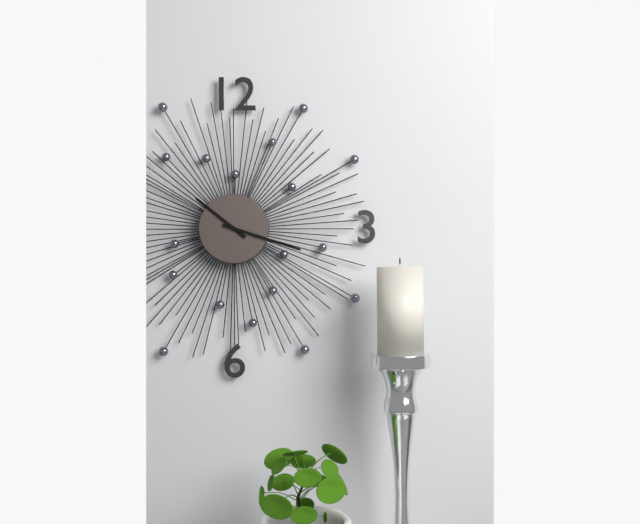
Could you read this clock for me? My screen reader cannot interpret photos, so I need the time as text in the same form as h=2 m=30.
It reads h=10 m=18
